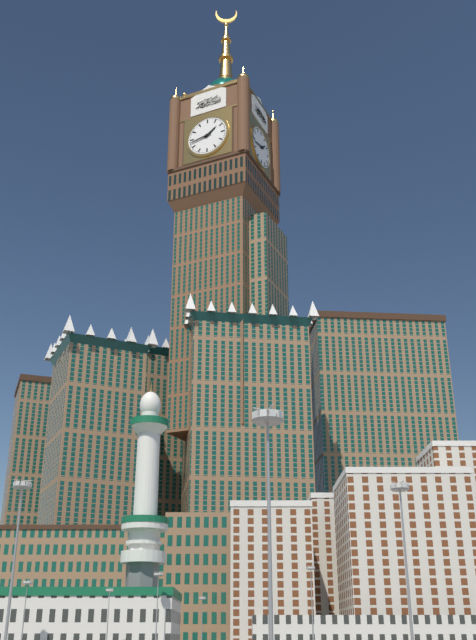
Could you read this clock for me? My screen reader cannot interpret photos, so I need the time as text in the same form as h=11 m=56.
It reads h=1 m=43
